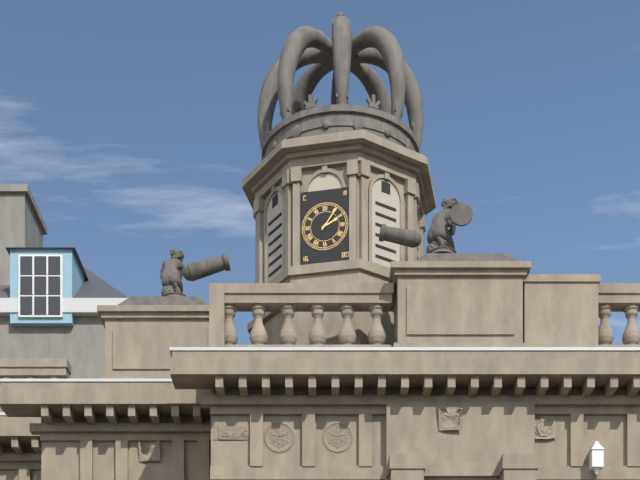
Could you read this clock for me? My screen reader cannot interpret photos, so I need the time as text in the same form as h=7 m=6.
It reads h=2 m=6
